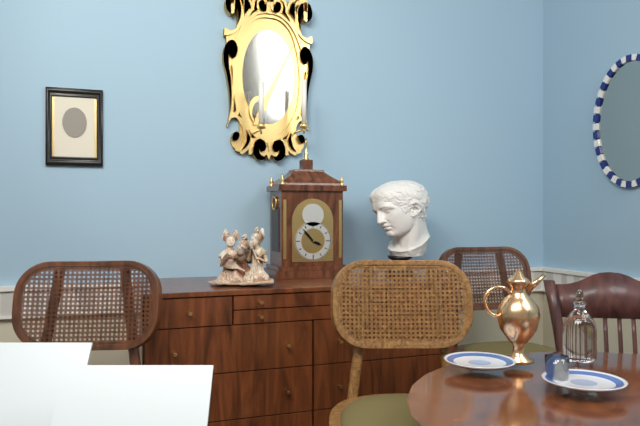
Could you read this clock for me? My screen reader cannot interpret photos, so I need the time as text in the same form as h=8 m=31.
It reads h=3 m=53
